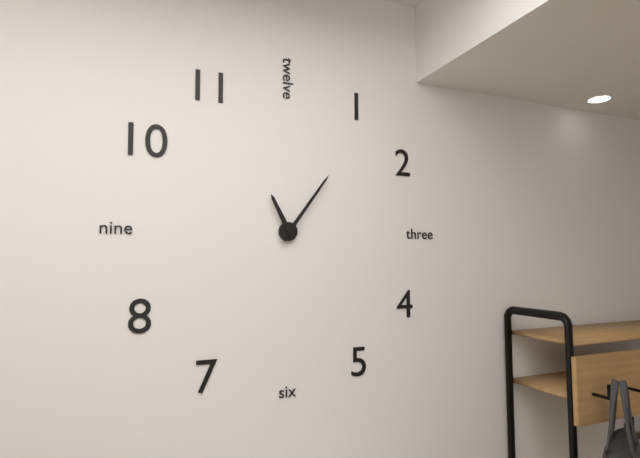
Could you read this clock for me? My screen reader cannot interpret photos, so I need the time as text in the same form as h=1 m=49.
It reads h=11 m=6
